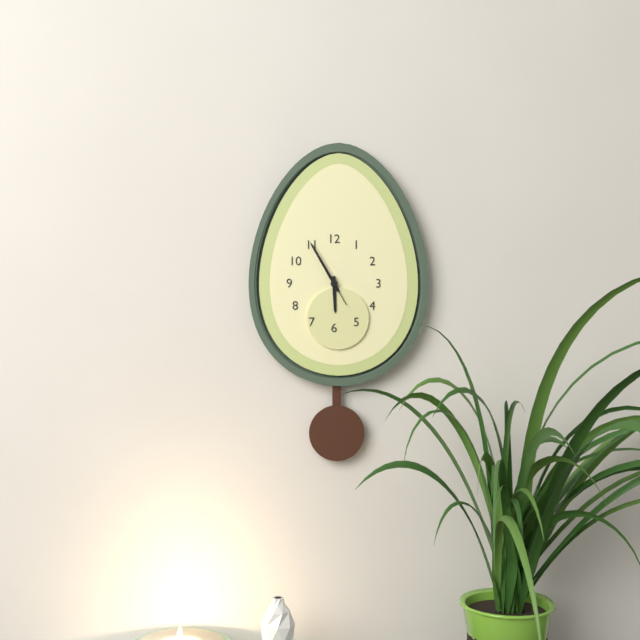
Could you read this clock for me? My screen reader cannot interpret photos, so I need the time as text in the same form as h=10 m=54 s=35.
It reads h=5 m=55 s=55
